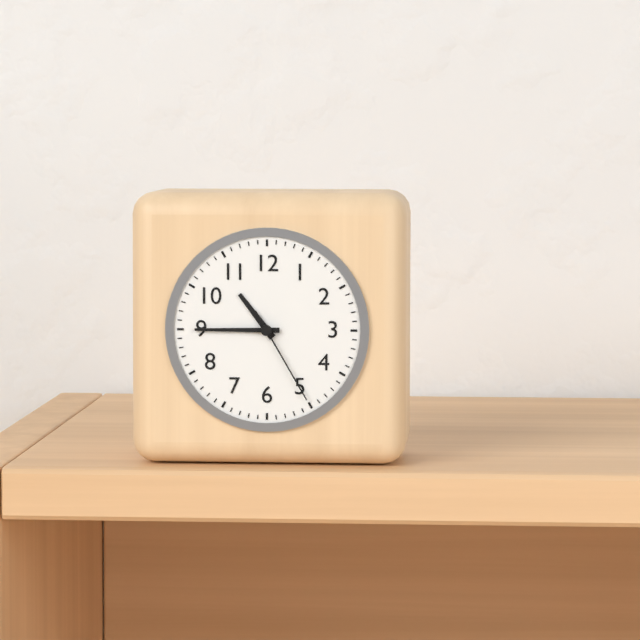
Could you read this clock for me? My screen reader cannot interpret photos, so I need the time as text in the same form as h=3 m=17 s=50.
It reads h=10 m=45 s=25
